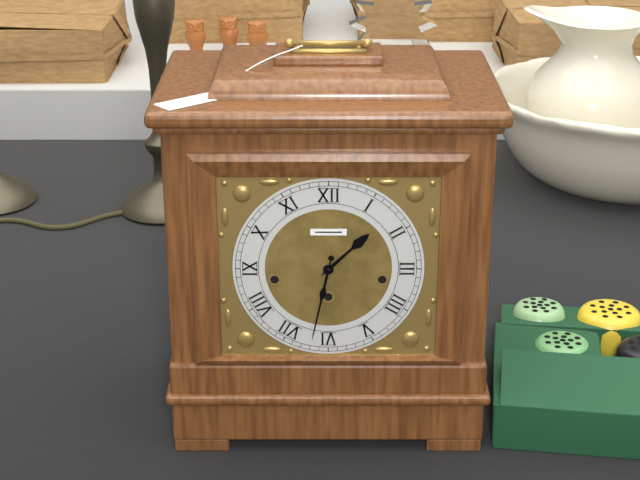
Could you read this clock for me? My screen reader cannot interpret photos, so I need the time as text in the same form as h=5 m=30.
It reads h=1 m=32
